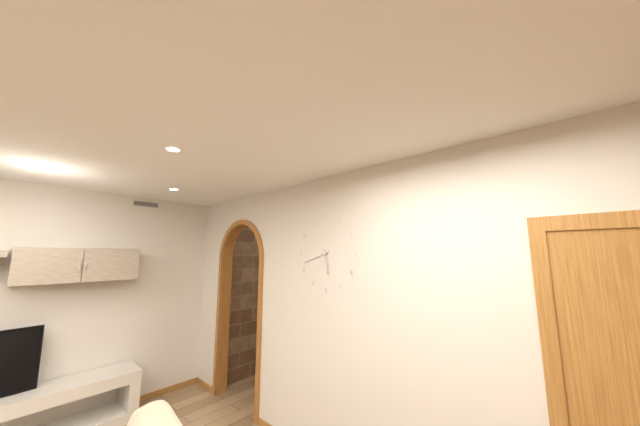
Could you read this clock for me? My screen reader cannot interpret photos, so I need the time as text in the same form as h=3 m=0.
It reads h=5 m=42
